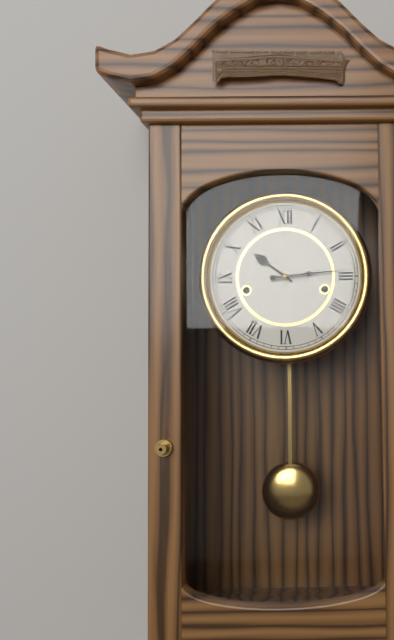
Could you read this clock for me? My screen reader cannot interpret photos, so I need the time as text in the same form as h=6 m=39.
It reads h=10 m=14
